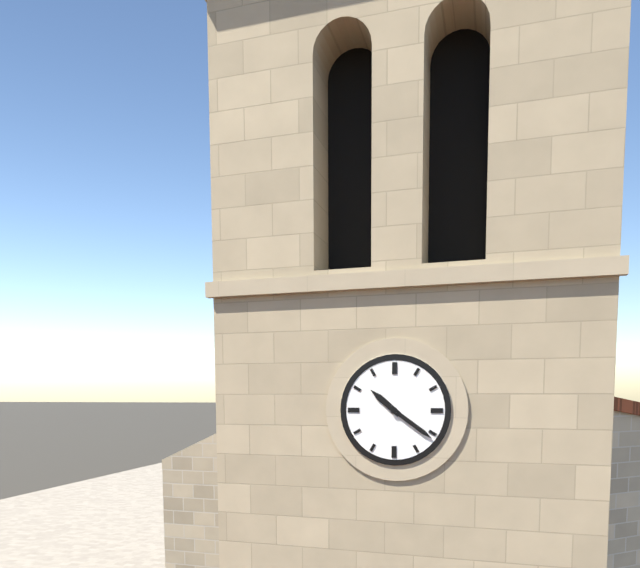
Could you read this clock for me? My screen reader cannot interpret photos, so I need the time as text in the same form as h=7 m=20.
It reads h=10 m=21
